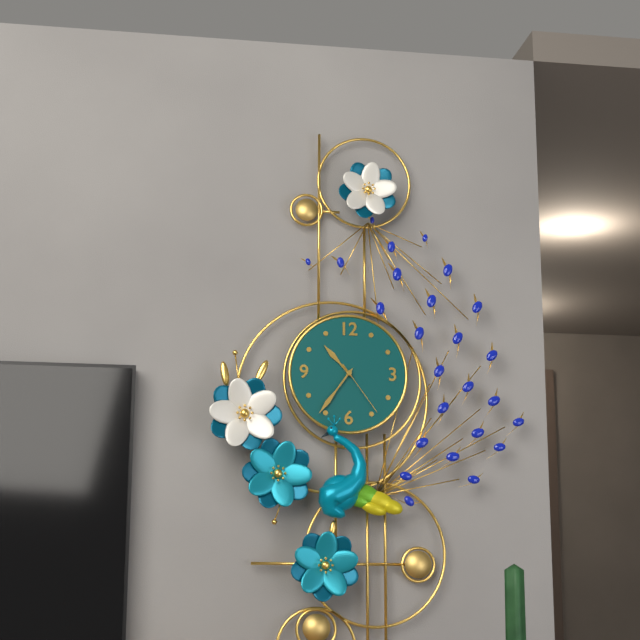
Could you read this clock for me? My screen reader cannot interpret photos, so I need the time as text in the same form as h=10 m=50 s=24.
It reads h=10 m=36 s=24
